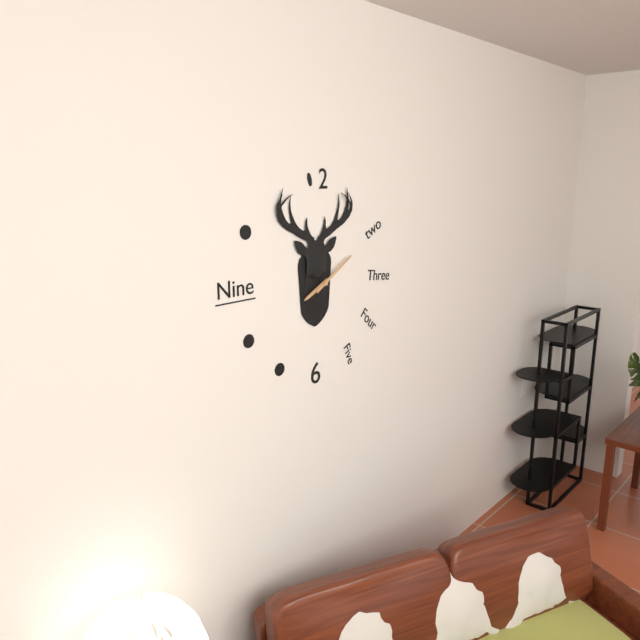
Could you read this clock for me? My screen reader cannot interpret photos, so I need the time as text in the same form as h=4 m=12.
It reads h=8 m=10
